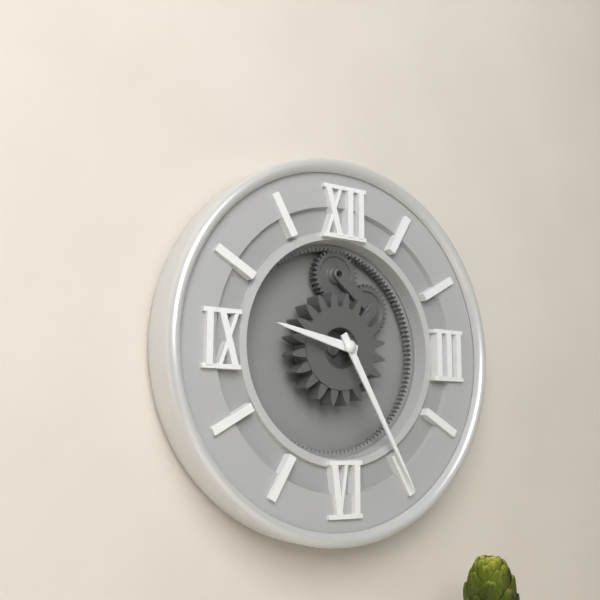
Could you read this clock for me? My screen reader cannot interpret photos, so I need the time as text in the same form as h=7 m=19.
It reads h=9 m=25
